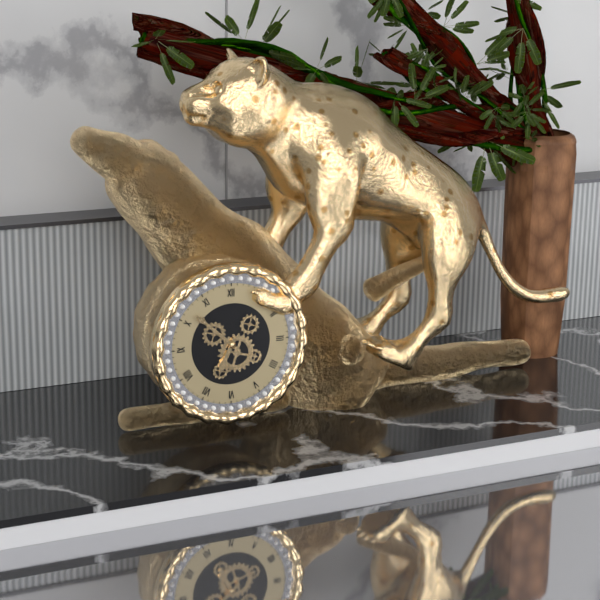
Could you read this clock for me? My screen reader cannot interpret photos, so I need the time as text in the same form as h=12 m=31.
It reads h=6 m=52
